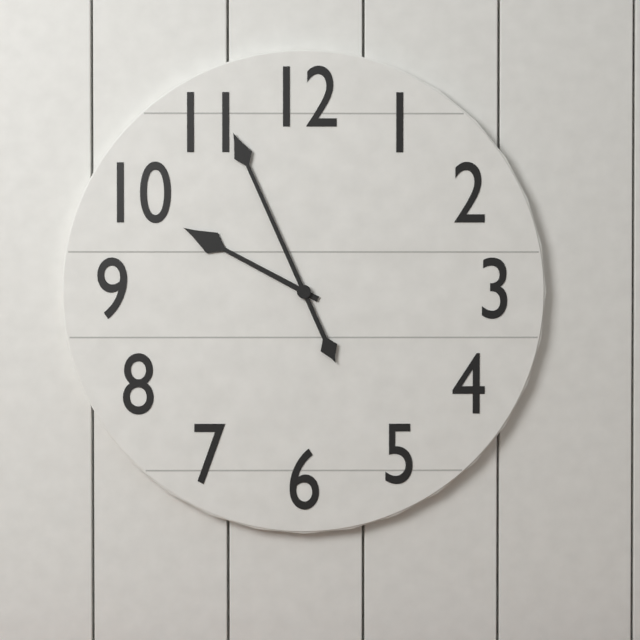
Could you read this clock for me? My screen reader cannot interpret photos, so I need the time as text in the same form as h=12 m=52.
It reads h=9 m=56
